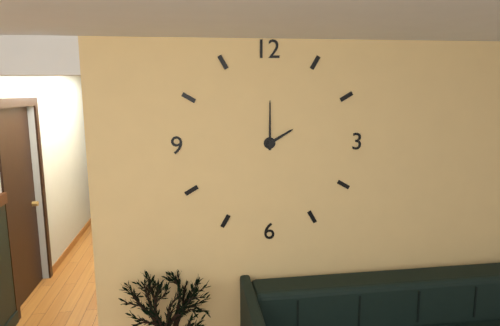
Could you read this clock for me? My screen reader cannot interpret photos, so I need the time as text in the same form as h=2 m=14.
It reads h=2 m=0
